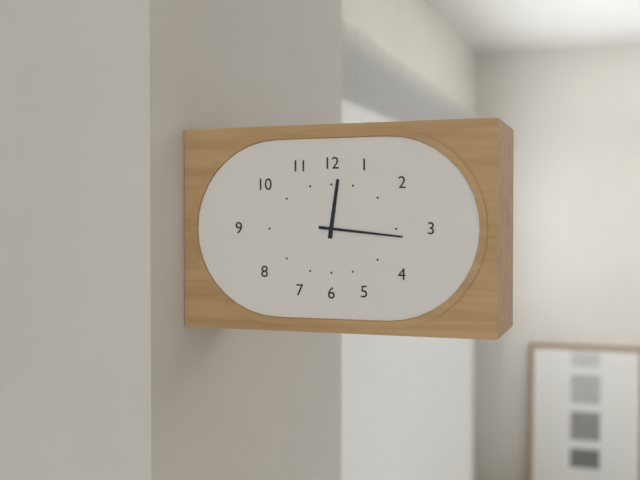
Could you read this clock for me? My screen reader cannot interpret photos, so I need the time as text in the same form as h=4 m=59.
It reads h=12 m=16
